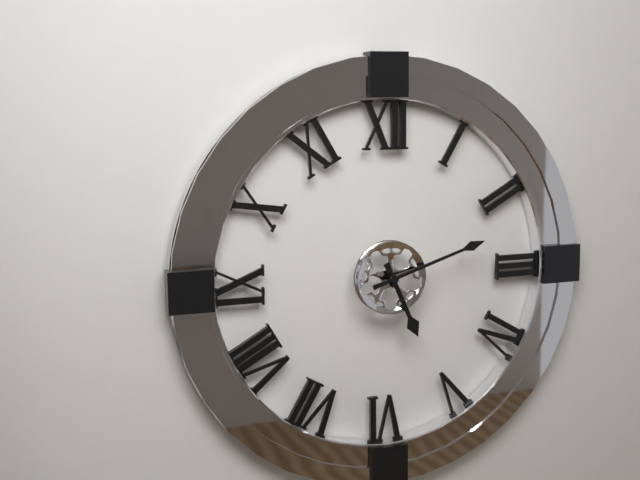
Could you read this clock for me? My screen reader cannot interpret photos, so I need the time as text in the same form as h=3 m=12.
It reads h=5 m=12
